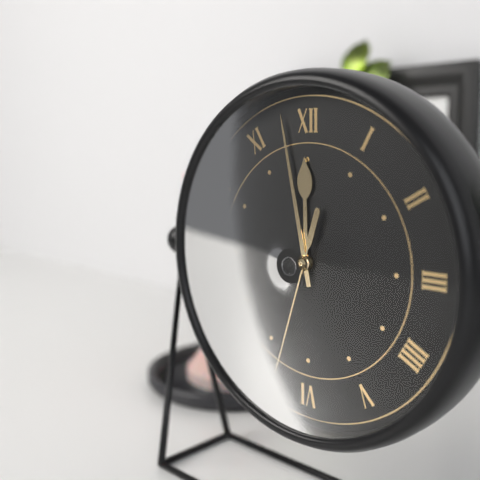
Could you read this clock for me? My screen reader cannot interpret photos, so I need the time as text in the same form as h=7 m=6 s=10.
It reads h=11 m=58 s=33
